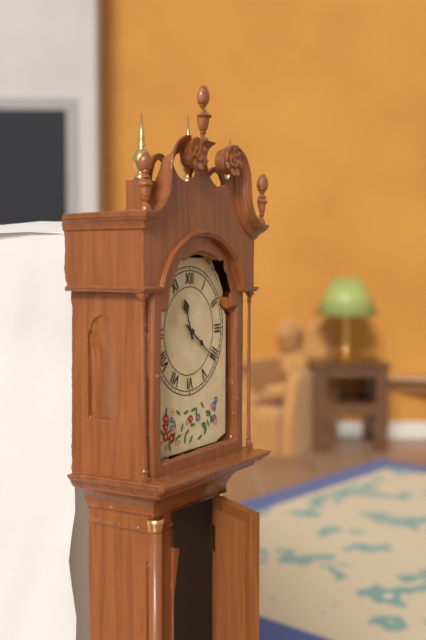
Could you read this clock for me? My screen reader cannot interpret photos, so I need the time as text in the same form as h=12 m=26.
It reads h=11 m=21
